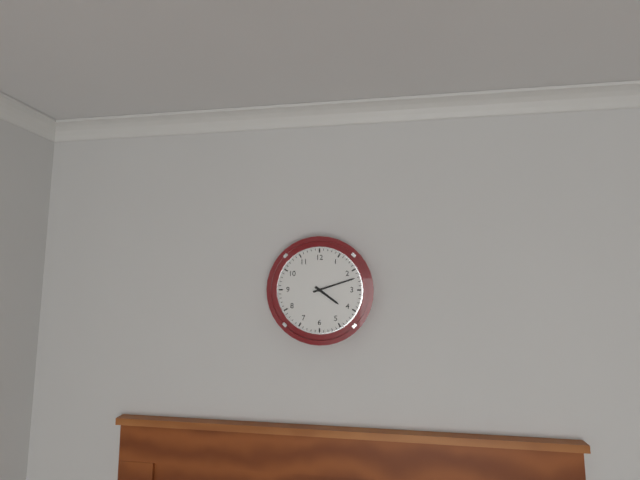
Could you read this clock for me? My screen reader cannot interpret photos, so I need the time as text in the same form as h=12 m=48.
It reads h=4 m=12
